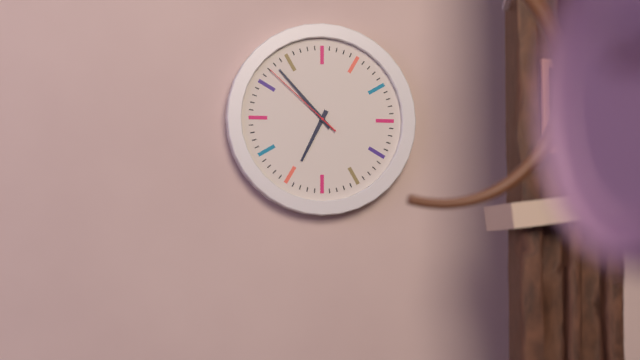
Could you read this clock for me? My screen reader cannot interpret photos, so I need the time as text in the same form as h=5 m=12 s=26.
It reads h=6 m=53 s=52
